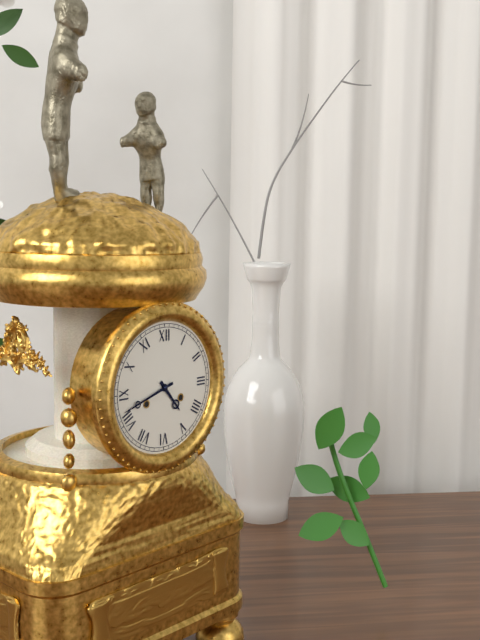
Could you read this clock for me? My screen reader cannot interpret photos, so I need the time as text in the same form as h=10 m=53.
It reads h=4 m=42
